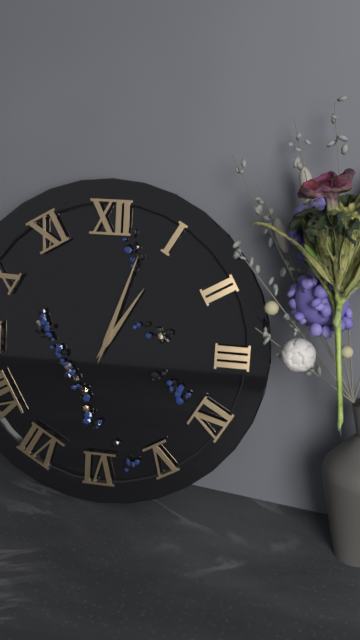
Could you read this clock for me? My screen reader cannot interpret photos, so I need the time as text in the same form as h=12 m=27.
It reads h=1 m=3
